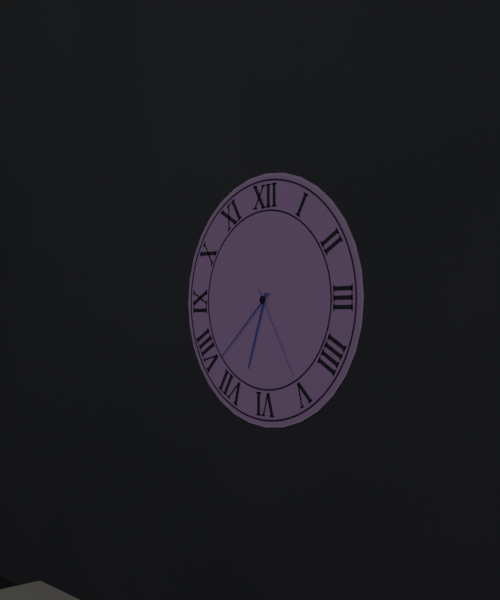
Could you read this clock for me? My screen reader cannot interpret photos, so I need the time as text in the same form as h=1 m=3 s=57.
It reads h=6 m=38 s=25
